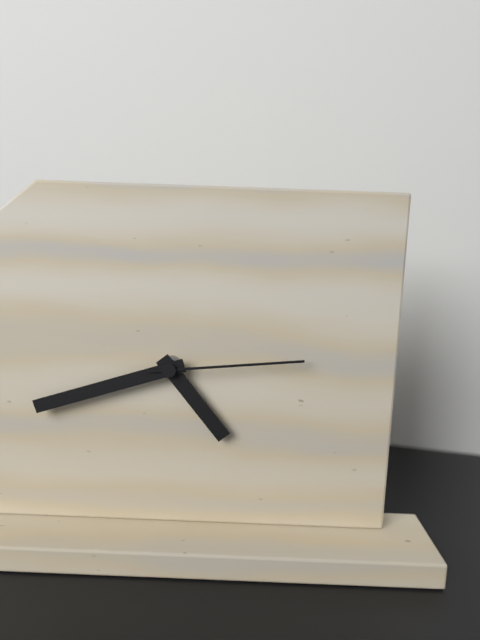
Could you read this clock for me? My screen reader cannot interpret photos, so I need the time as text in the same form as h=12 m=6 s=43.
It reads h=4 m=42 s=14
